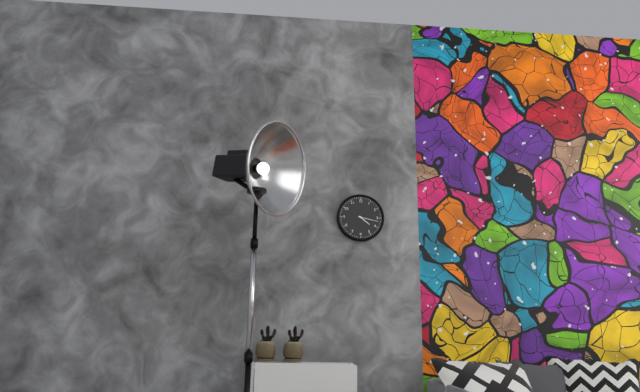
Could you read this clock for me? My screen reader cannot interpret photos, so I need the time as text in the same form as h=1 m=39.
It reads h=4 m=17
